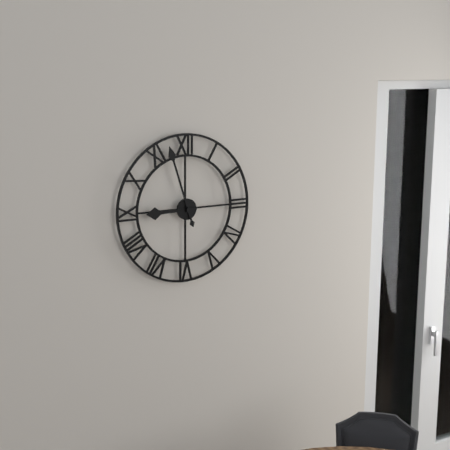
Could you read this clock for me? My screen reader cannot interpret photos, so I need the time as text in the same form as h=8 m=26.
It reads h=8 m=57
